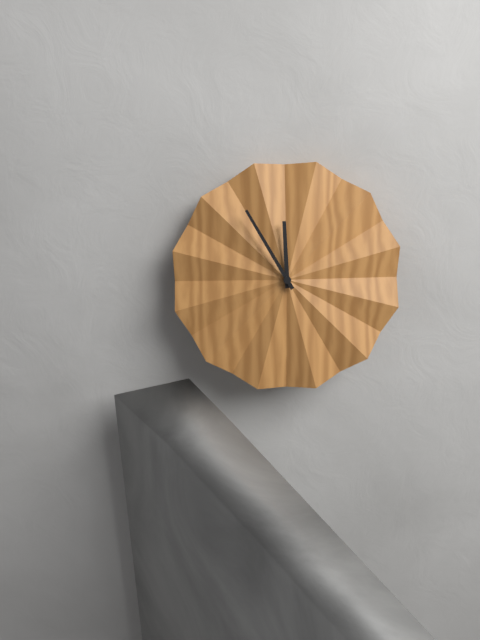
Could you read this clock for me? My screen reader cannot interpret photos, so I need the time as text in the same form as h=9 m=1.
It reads h=11 m=55
